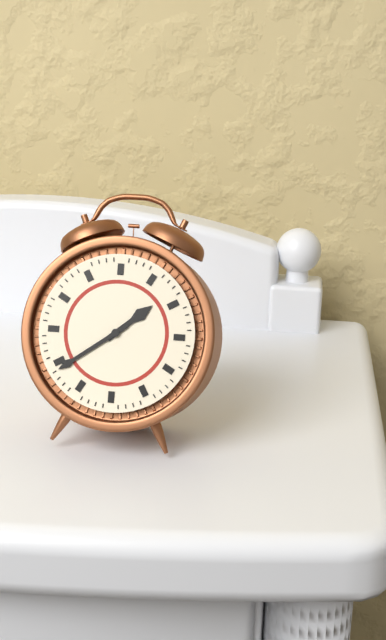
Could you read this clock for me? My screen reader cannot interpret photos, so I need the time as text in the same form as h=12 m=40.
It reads h=1 m=39
